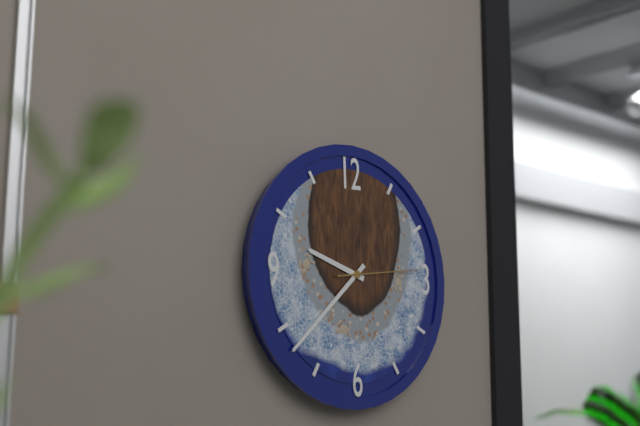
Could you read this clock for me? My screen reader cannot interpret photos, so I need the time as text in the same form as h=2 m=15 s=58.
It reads h=9 m=38 s=14
